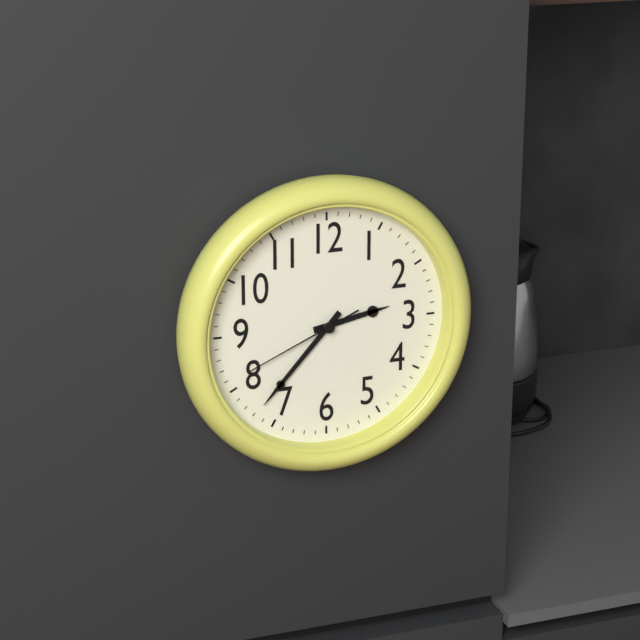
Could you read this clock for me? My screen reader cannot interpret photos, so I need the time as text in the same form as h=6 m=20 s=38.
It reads h=2 m=37 s=41
